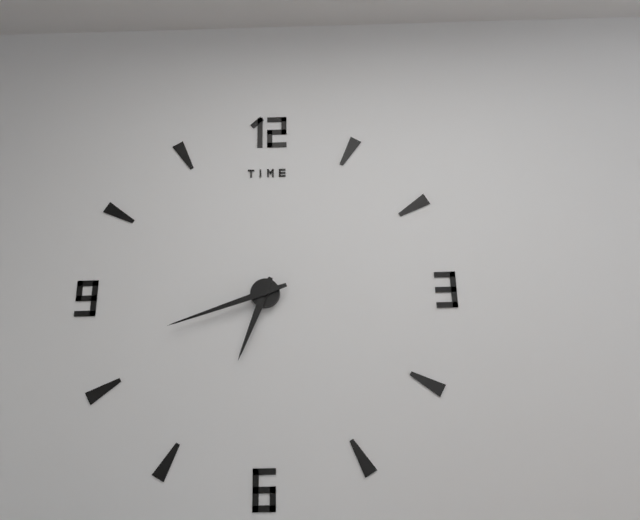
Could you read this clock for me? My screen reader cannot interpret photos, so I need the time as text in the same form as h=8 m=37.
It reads h=6 m=42
